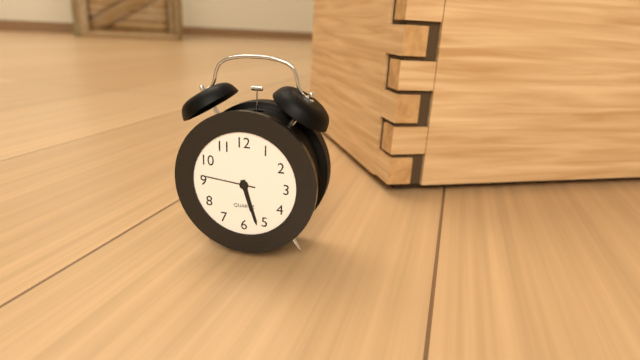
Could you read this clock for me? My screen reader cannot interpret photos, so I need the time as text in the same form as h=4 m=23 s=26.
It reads h=5 m=27 s=46
